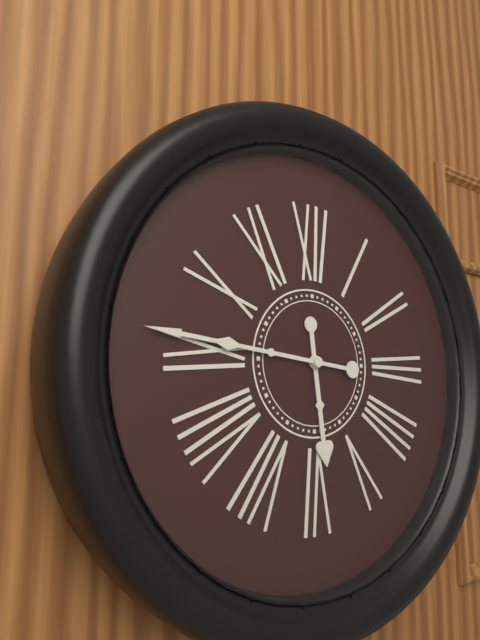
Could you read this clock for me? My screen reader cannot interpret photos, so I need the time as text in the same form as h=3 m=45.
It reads h=5 m=46
